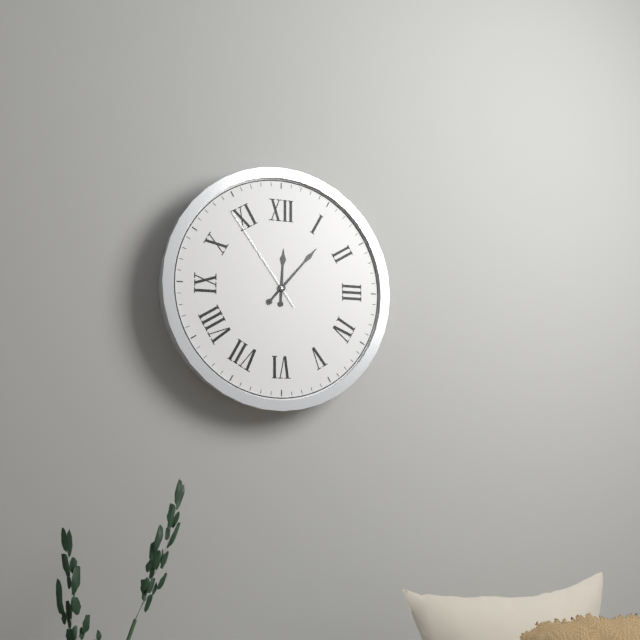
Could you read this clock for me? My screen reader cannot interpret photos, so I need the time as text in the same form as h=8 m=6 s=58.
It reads h=12 m=7 s=54
